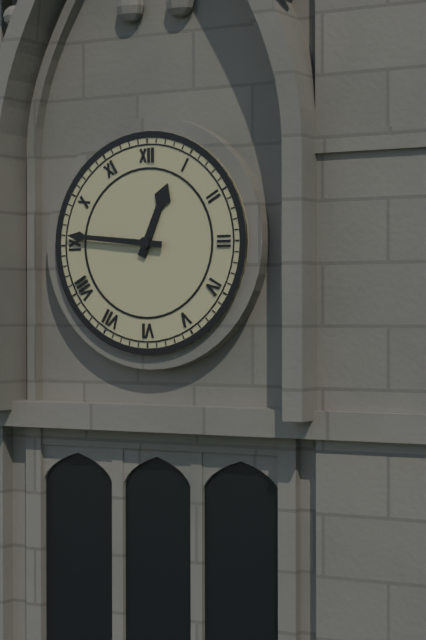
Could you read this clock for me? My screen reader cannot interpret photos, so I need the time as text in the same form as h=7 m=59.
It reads h=12 m=46
